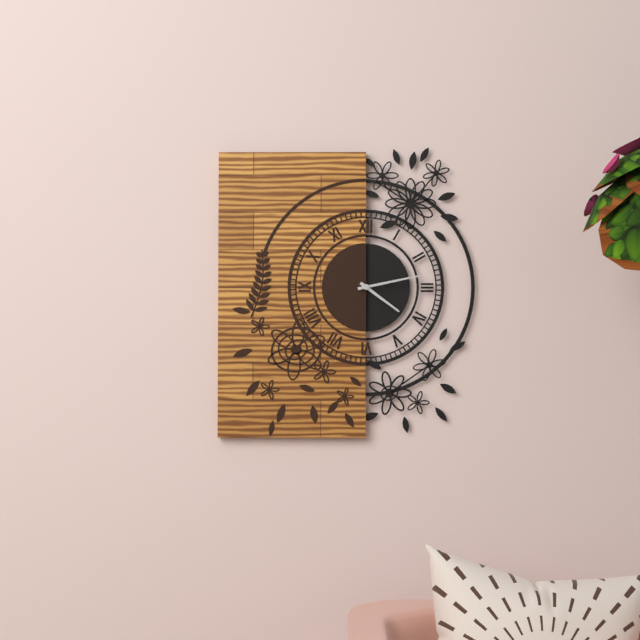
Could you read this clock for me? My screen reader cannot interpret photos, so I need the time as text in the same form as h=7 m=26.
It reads h=4 m=13
